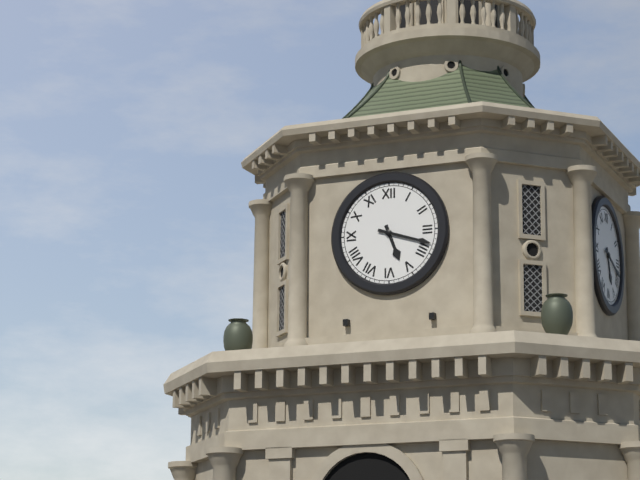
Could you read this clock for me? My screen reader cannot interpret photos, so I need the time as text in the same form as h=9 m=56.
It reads h=5 m=18
